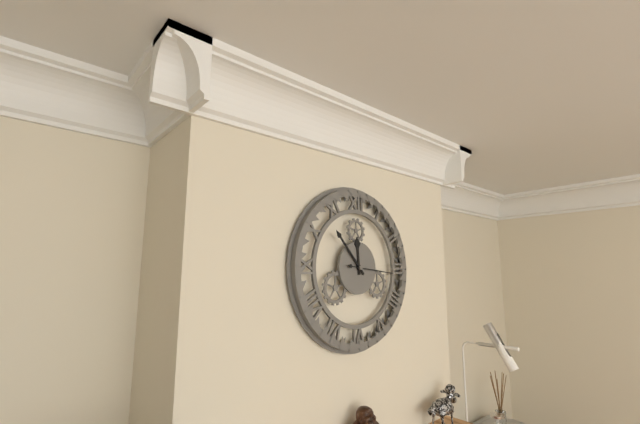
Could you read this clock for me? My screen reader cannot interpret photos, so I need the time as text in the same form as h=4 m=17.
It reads h=11 m=53
